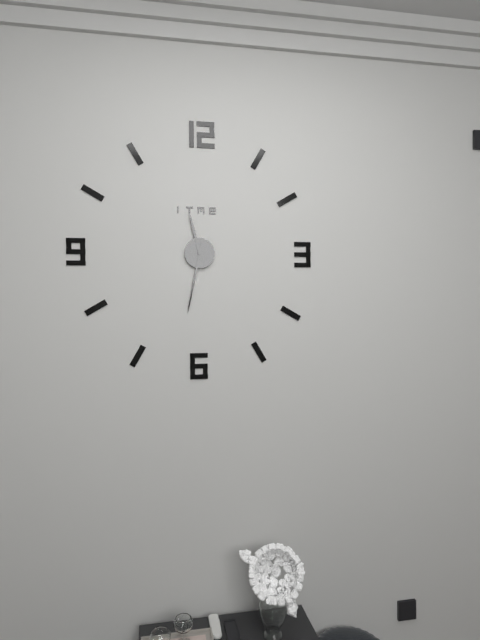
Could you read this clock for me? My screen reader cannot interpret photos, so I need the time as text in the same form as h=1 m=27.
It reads h=11 m=32
